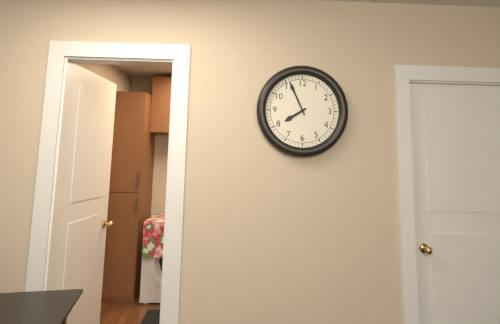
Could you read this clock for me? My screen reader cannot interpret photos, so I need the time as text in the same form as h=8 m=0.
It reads h=7 m=56
